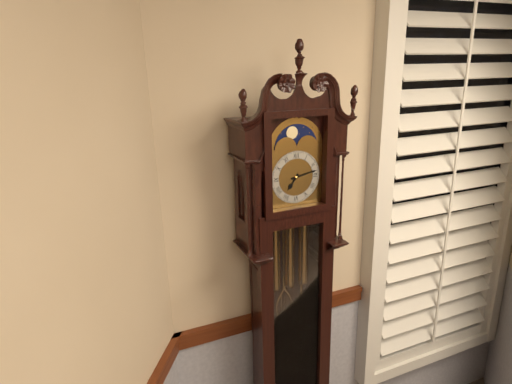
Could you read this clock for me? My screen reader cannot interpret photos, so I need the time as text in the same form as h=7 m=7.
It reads h=7 m=13
